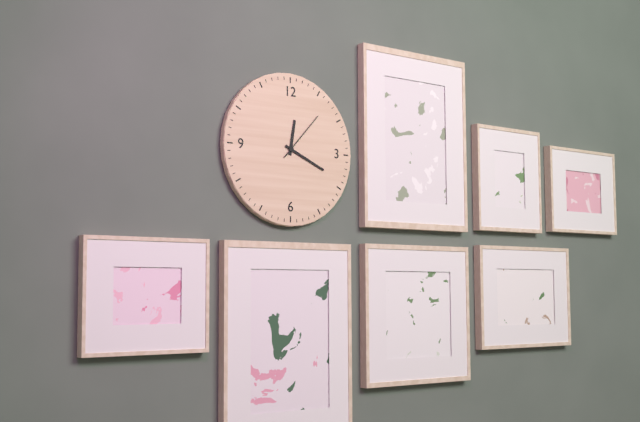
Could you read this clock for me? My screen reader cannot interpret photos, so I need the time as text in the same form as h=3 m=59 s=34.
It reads h=12 m=19 s=7
